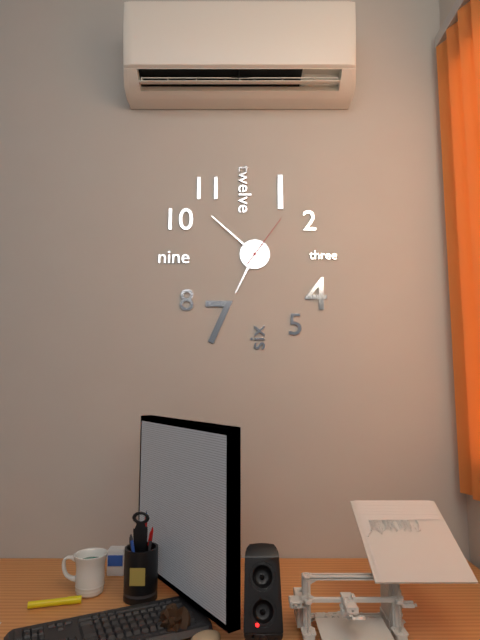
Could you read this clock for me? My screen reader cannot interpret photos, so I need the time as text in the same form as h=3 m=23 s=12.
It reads h=6 m=52 s=6
